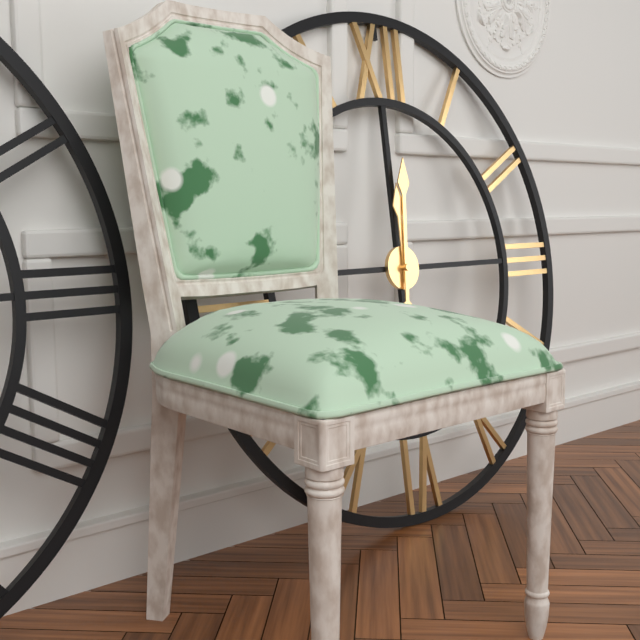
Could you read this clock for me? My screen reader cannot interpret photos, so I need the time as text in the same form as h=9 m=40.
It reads h=12 m=1
